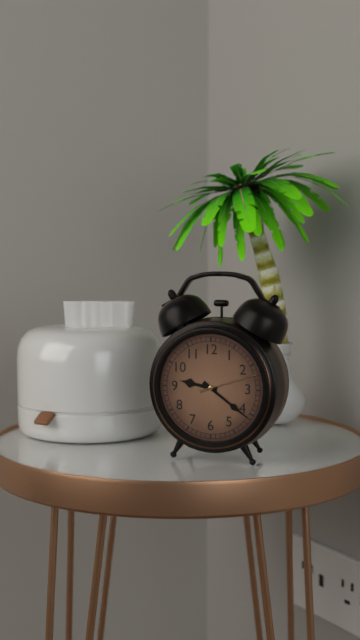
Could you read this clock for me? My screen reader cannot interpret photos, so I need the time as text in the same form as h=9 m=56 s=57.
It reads h=9 m=21 s=12
